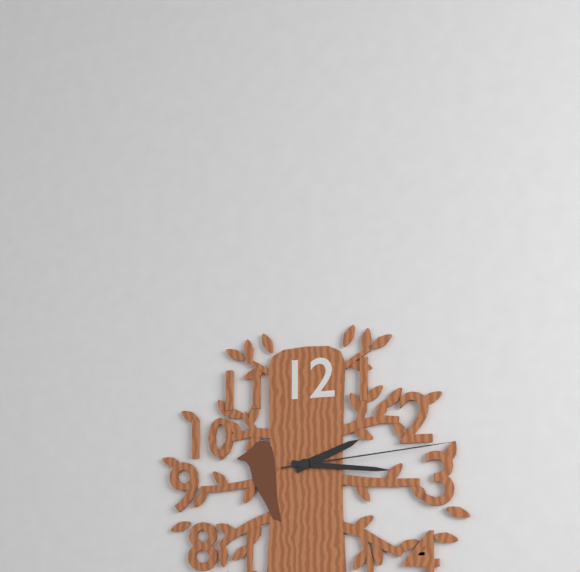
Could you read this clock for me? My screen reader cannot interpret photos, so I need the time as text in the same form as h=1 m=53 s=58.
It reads h=2 m=16 s=14
